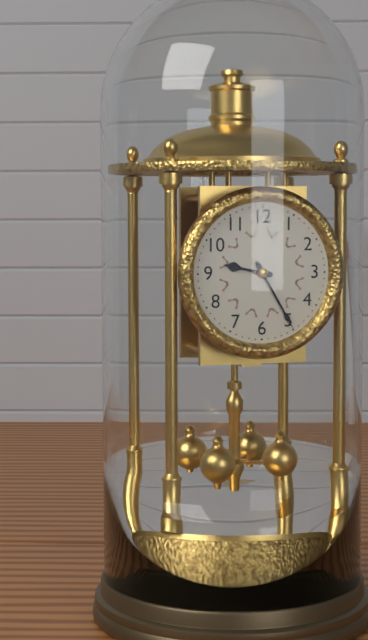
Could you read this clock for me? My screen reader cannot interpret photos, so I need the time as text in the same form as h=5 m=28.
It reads h=9 m=25
